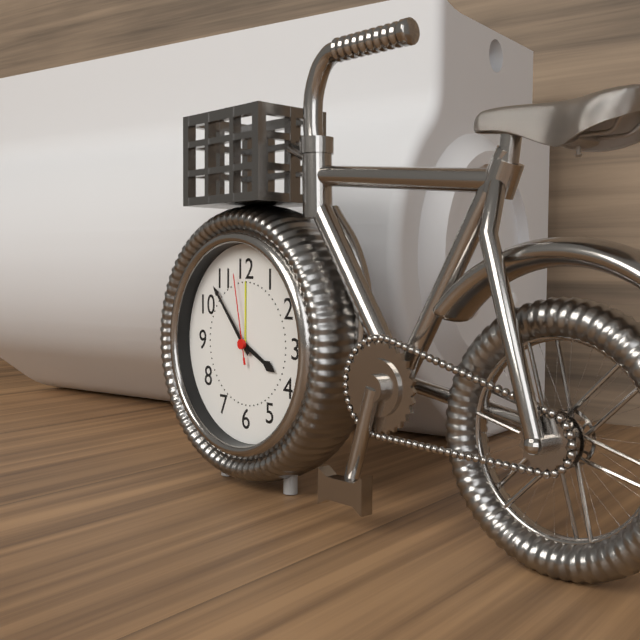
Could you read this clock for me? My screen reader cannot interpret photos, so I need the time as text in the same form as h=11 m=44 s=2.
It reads h=3 m=53 s=58
